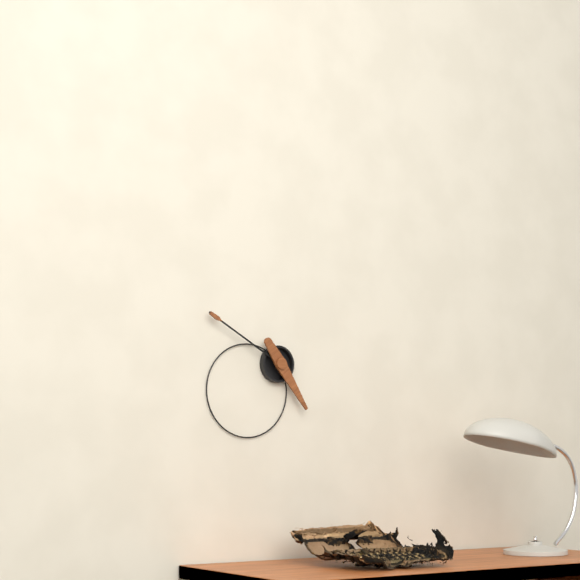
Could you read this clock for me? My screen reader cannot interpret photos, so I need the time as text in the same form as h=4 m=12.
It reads h=4 m=50
